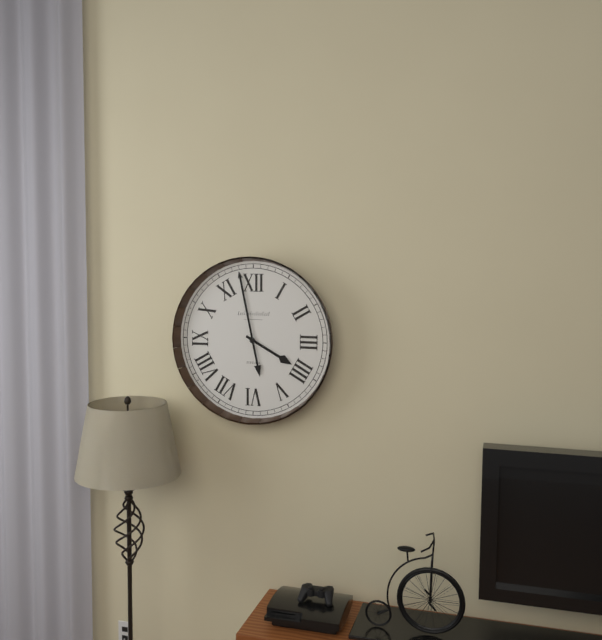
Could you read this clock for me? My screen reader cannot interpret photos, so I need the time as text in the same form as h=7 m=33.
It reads h=3 m=58
